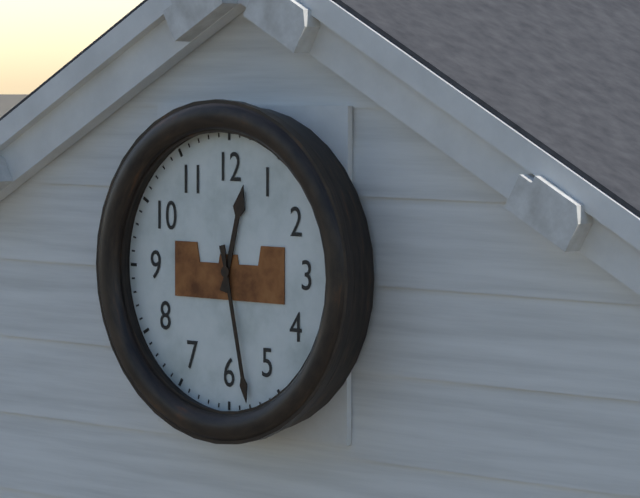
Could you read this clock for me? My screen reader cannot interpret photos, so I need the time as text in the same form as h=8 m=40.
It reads h=12 m=28
